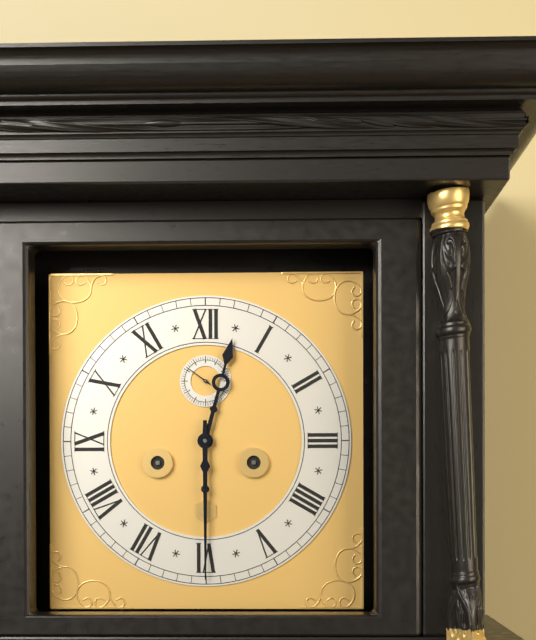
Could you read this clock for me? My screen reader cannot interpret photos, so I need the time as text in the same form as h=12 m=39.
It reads h=12 m=30
